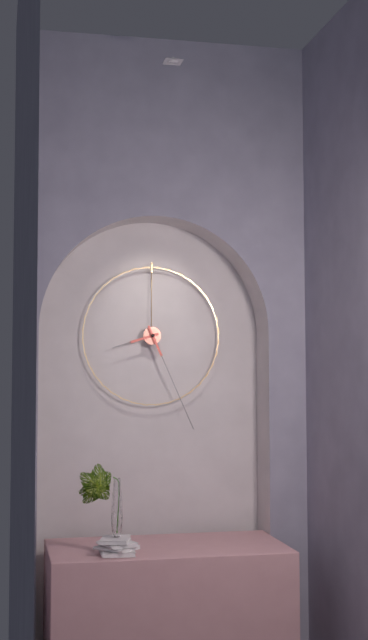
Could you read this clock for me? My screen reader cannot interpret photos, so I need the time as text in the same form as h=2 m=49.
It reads h=8 m=26
